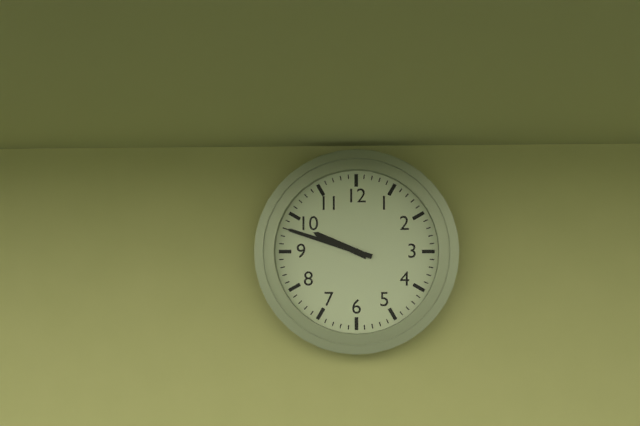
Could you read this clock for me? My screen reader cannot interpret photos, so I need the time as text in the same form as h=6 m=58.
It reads h=9 m=48
